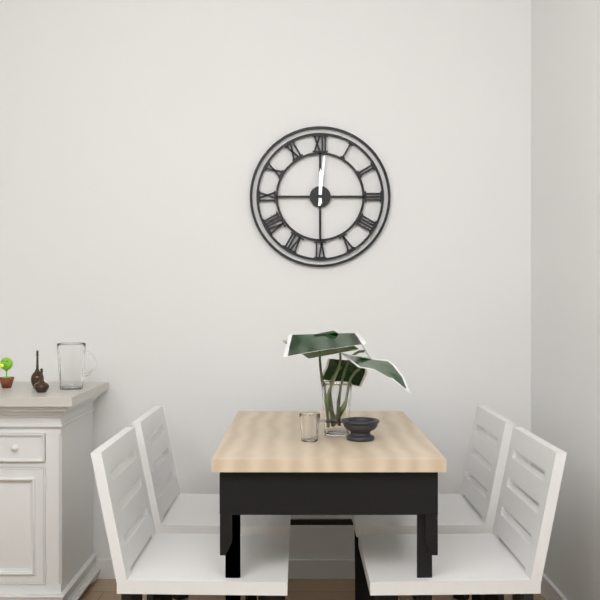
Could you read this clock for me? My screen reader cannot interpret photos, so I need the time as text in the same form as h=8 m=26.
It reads h=12 m=1
